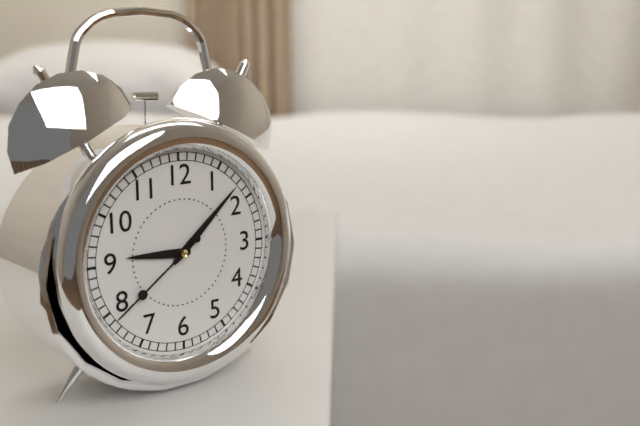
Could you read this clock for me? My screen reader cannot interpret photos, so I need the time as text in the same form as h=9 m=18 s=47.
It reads h=9 m=8 s=39
